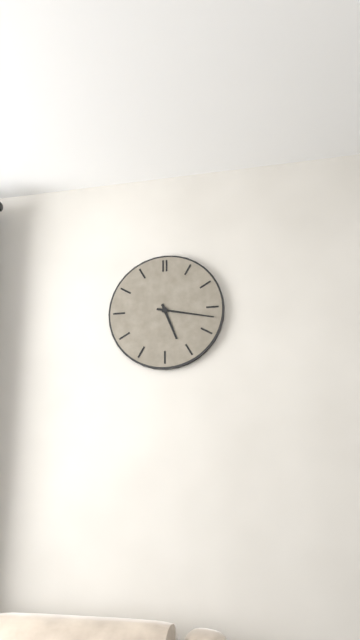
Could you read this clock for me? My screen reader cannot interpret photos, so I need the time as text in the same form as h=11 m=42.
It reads h=5 m=17
